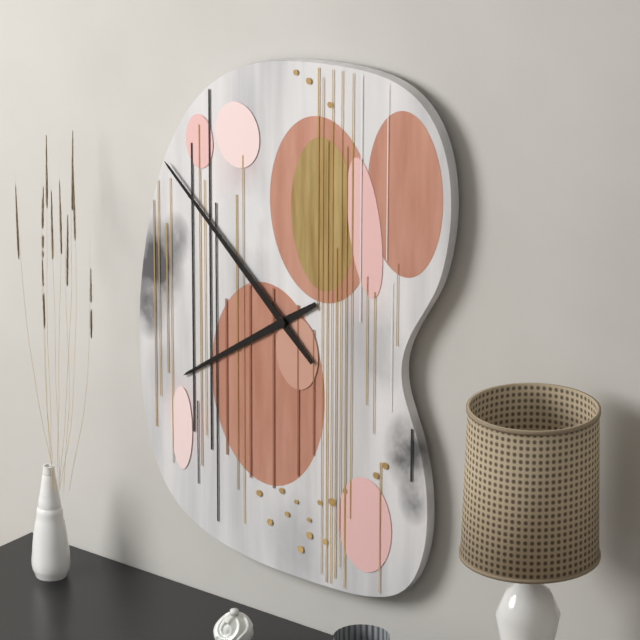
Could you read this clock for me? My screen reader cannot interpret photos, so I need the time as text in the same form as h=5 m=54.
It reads h=7 m=52
